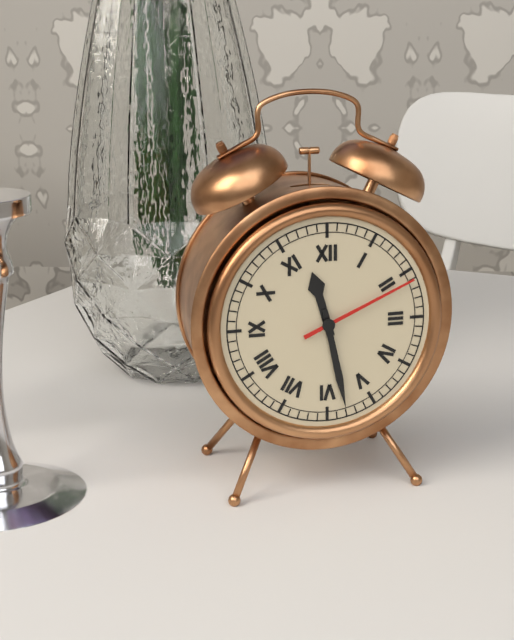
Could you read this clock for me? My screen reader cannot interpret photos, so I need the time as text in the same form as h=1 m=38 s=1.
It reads h=11 m=28 s=11
